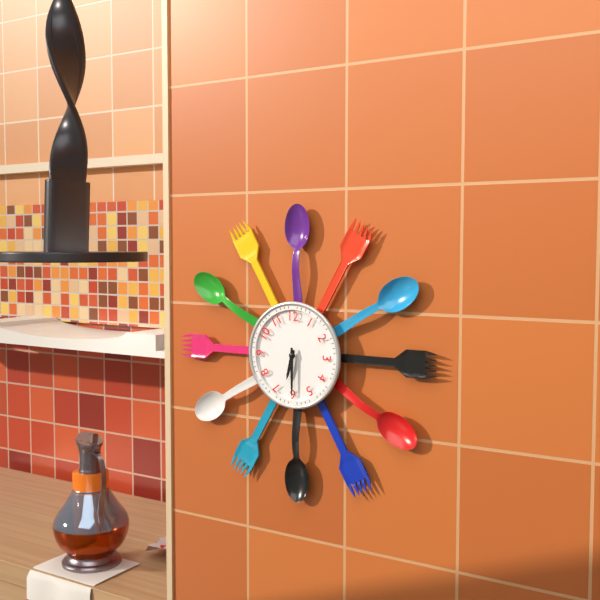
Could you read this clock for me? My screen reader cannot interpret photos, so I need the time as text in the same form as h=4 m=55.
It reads h=6 m=30
